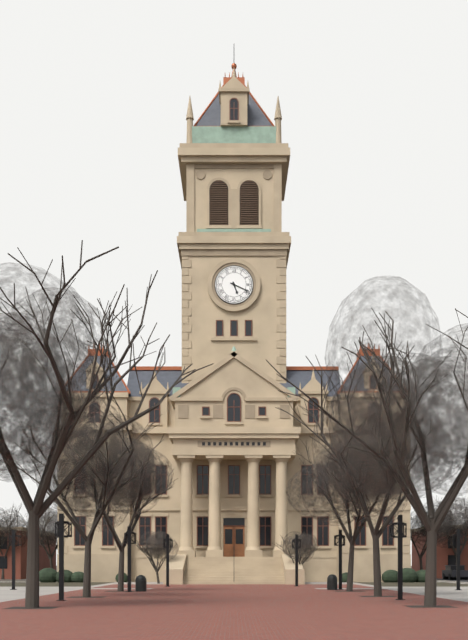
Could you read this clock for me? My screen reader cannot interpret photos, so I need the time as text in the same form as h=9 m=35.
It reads h=5 m=19
